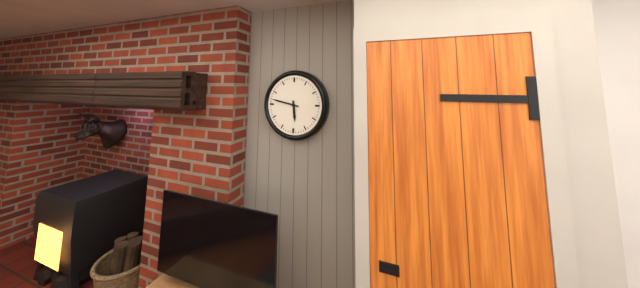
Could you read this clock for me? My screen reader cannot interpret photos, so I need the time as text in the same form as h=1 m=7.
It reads h=5 m=47
